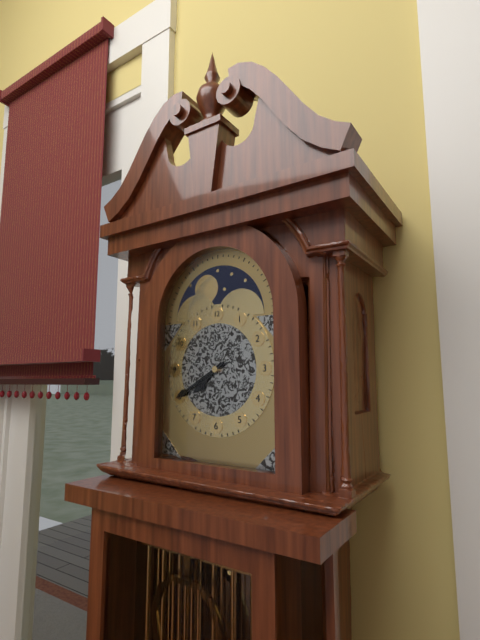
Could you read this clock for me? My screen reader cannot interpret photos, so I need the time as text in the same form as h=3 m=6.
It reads h=7 m=40
